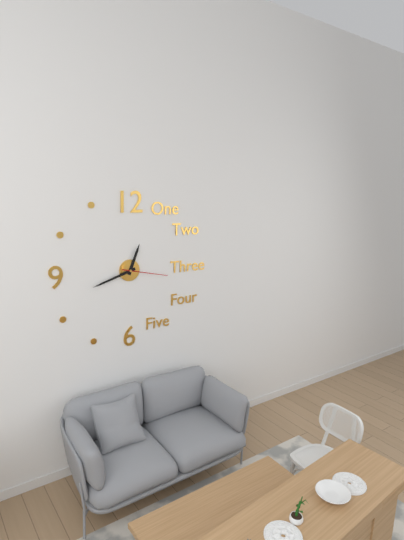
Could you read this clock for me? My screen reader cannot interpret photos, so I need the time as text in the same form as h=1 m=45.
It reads h=12 m=42
